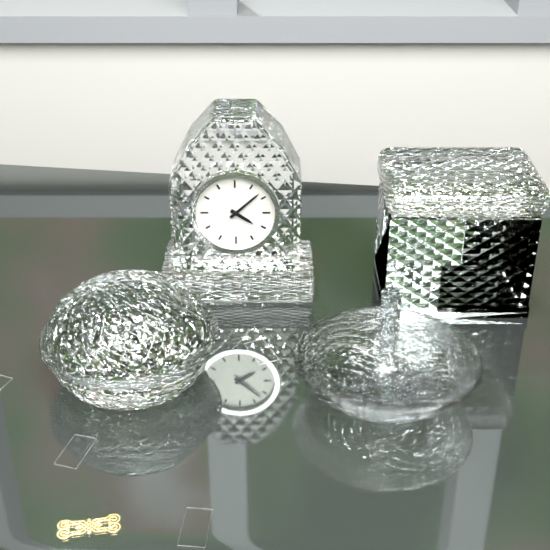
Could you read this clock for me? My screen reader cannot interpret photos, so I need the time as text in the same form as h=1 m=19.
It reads h=4 m=8
